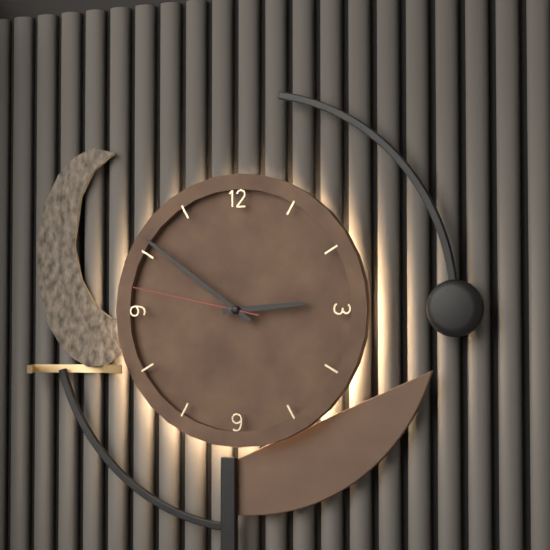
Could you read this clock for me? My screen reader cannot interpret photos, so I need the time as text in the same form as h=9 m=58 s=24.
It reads h=2 m=51 s=47
